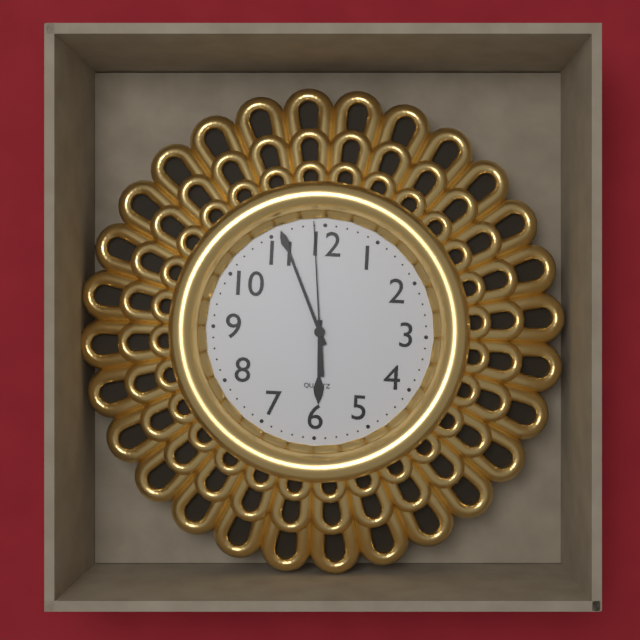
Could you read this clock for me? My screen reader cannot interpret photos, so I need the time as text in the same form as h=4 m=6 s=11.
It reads h=5 m=56 s=59
